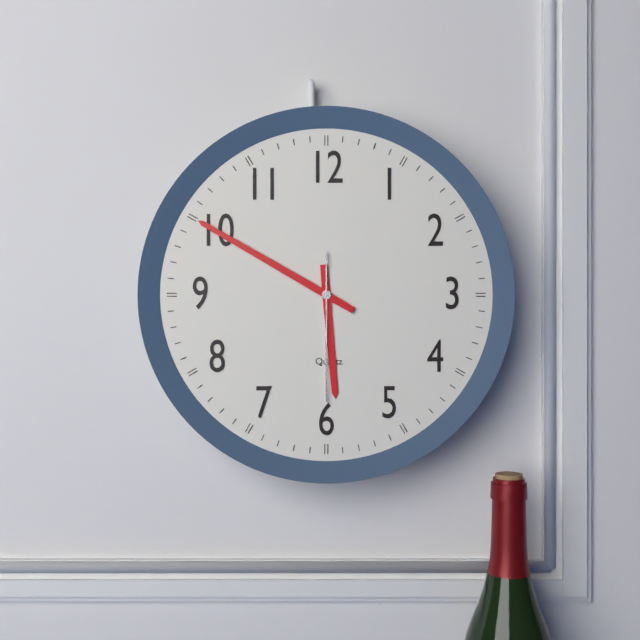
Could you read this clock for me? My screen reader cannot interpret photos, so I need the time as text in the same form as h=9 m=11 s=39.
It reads h=5 m=50 s=30
